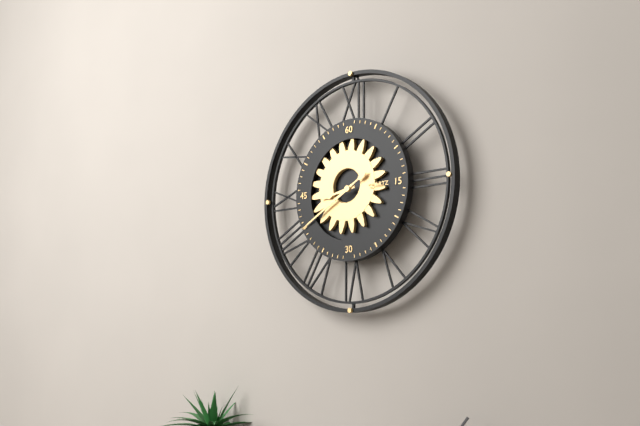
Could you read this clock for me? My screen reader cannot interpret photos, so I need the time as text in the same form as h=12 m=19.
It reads h=8 m=40
